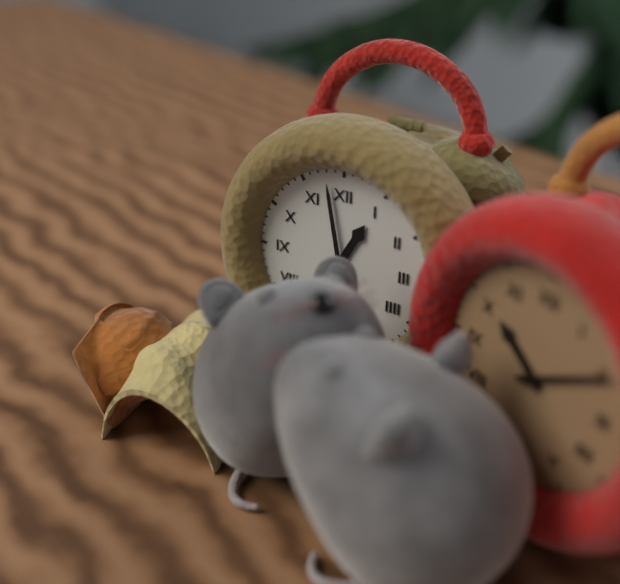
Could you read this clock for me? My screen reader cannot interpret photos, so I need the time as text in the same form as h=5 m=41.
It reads h=12 m=58
